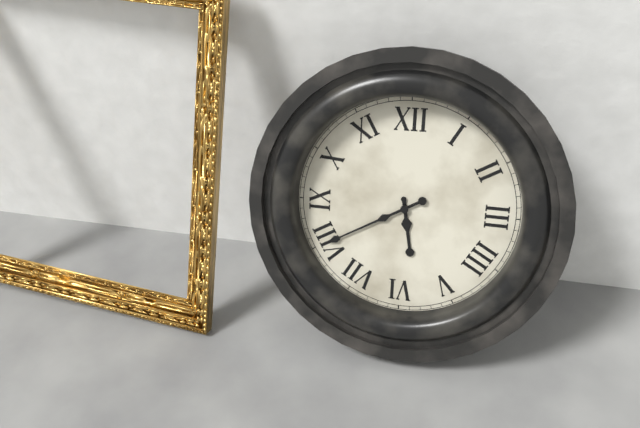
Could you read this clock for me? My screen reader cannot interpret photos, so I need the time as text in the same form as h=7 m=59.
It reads h=5 m=40
